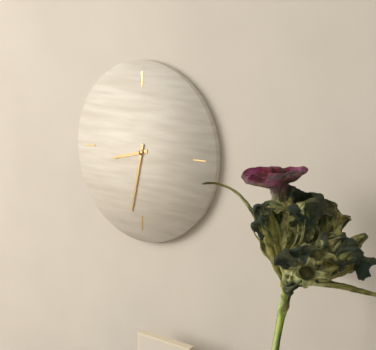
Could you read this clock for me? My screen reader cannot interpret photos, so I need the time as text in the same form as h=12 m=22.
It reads h=8 m=32
